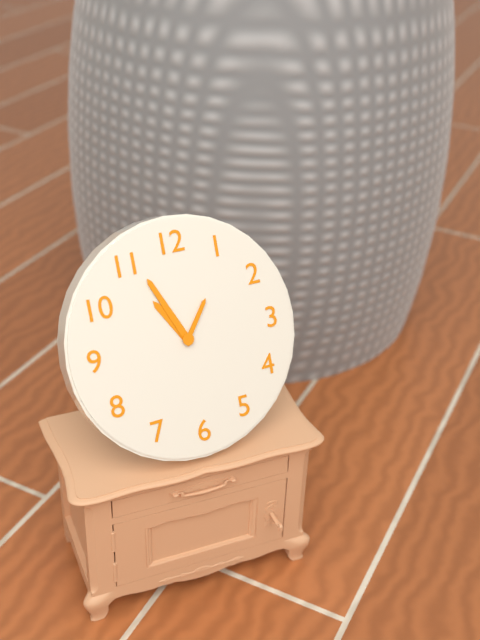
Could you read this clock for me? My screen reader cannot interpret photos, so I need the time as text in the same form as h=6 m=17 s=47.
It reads h=10 m=56 s=6
